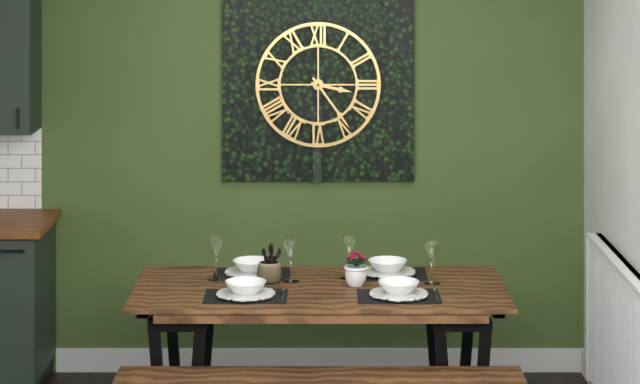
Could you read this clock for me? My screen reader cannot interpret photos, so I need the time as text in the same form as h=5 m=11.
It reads h=3 m=24
